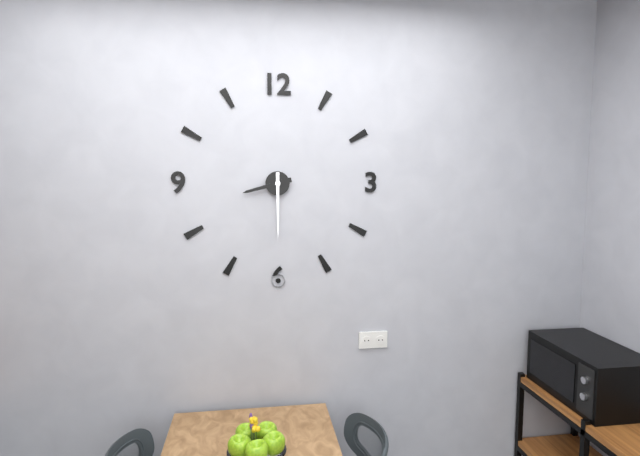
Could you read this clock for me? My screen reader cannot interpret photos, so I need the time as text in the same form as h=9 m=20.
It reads h=8 m=30
